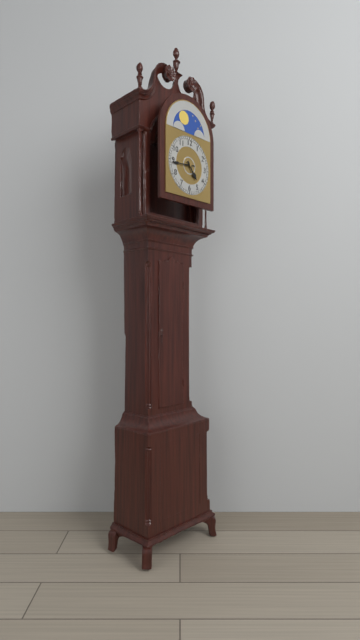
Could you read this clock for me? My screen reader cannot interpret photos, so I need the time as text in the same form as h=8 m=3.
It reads h=4 m=44
